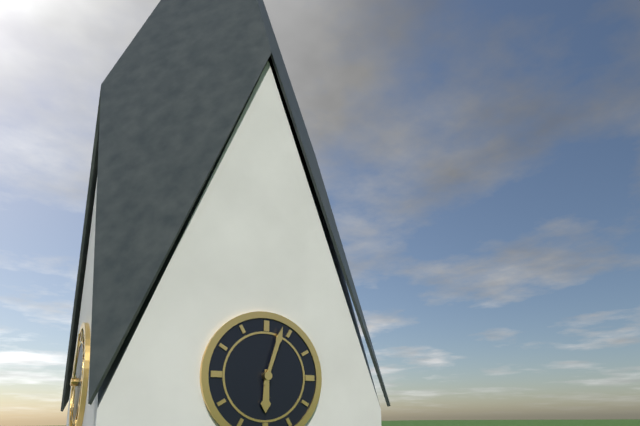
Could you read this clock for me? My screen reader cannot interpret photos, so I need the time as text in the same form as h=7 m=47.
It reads h=6 m=3
